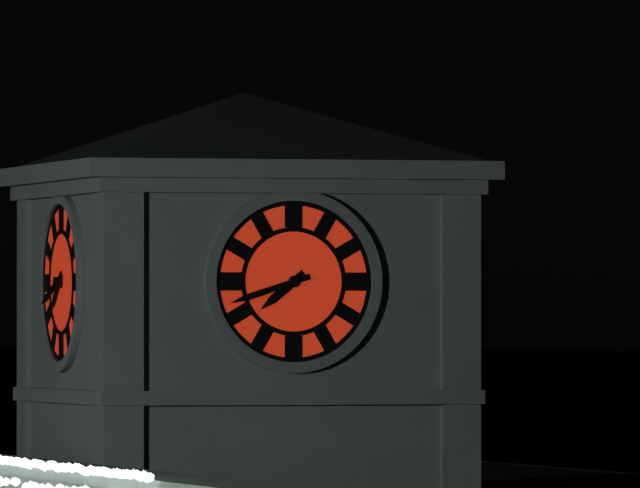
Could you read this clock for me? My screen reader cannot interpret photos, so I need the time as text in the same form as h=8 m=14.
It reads h=7 m=42
